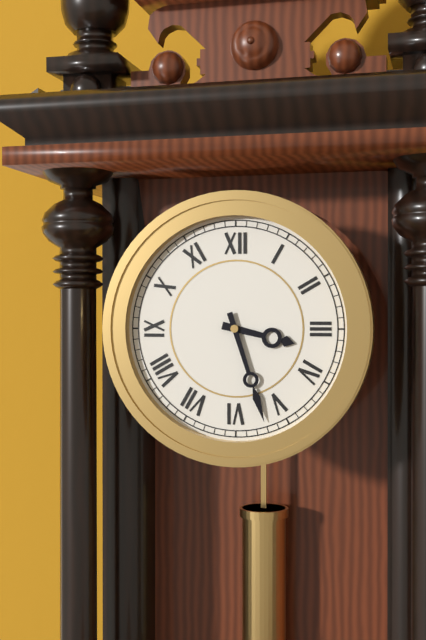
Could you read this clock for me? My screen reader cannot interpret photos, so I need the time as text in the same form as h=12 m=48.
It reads h=3 m=27
